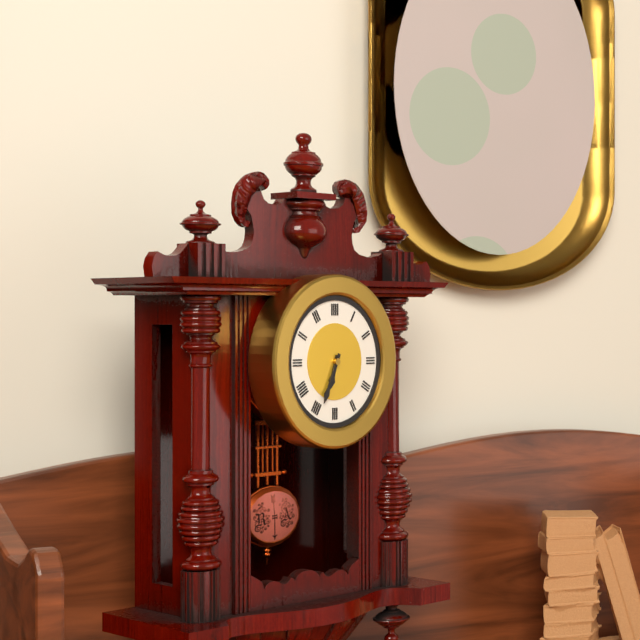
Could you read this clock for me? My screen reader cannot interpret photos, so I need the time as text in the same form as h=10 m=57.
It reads h=6 m=34
